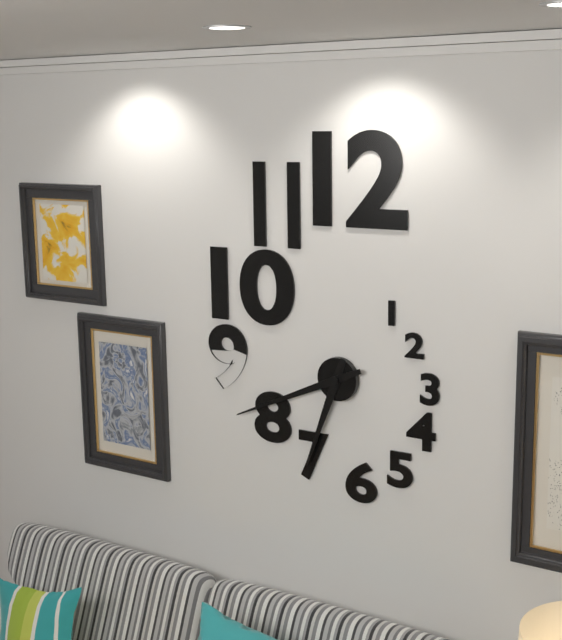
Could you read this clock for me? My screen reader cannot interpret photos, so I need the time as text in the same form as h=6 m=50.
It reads h=6 m=41
